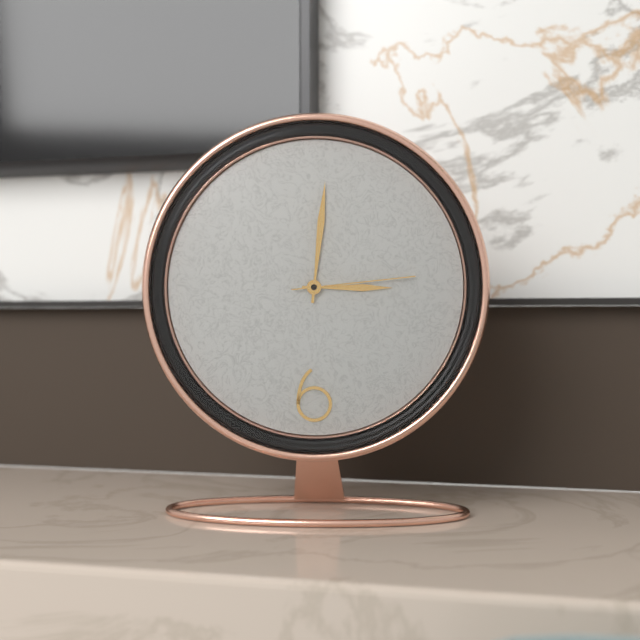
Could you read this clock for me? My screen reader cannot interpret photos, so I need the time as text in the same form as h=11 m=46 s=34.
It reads h=3 m=1 s=14
